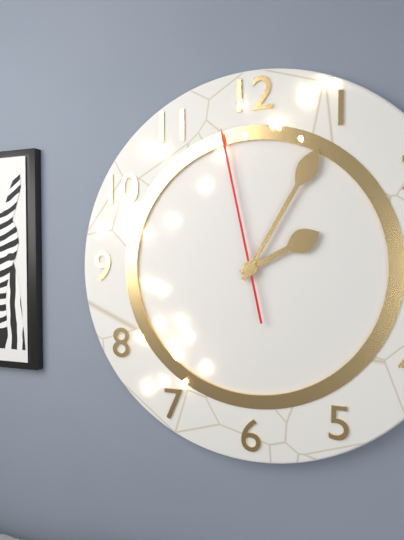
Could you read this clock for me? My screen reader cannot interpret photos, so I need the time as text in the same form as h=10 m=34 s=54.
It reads h=2 m=5 s=58
